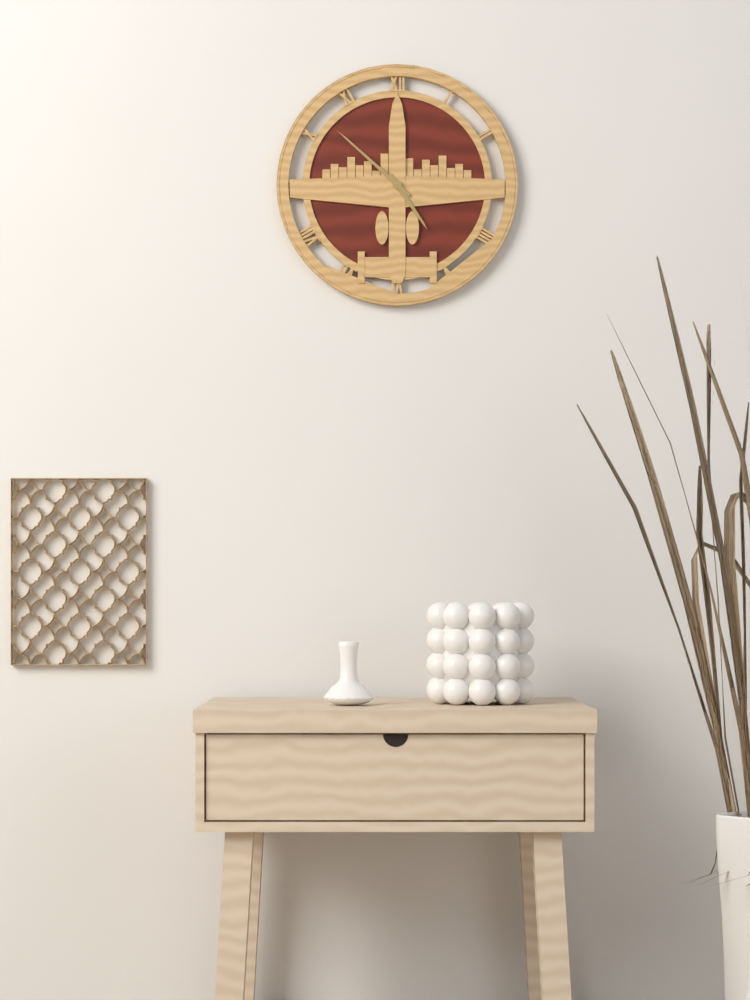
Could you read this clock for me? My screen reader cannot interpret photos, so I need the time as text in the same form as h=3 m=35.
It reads h=4 m=52
